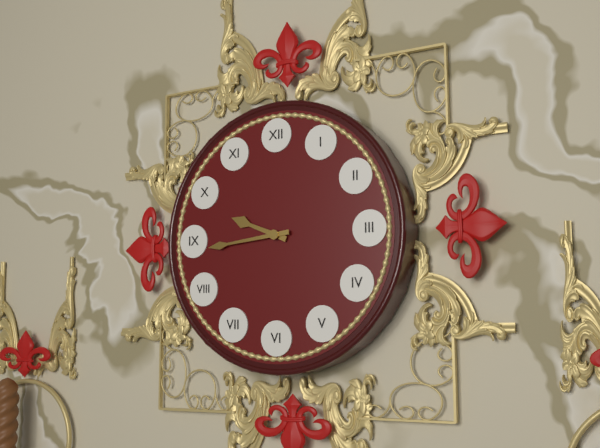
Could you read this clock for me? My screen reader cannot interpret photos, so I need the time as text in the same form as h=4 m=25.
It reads h=9 m=44
